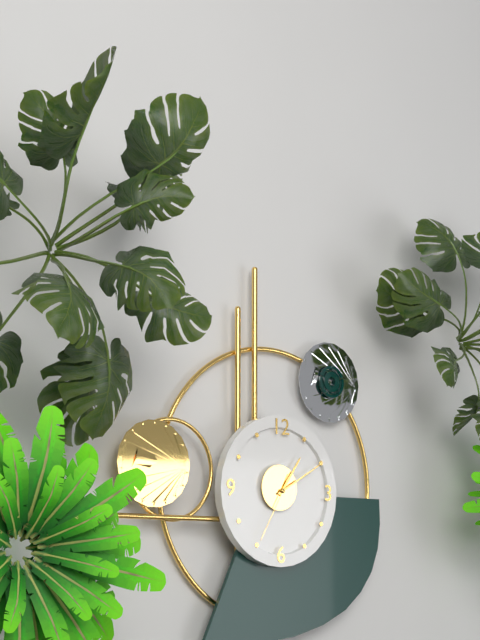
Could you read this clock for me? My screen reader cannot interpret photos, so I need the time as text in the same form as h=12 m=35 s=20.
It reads h=1 m=10 s=35
